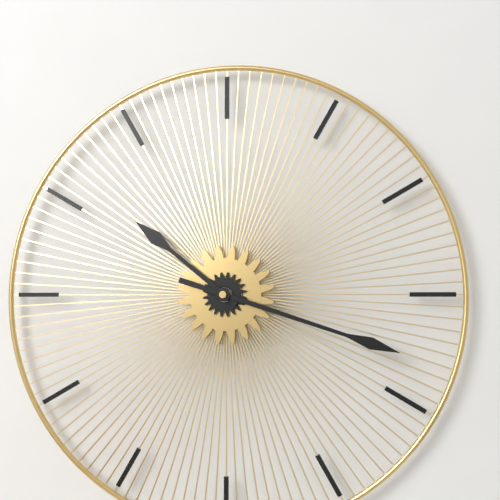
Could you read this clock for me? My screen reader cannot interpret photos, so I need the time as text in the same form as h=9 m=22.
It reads h=10 m=18
